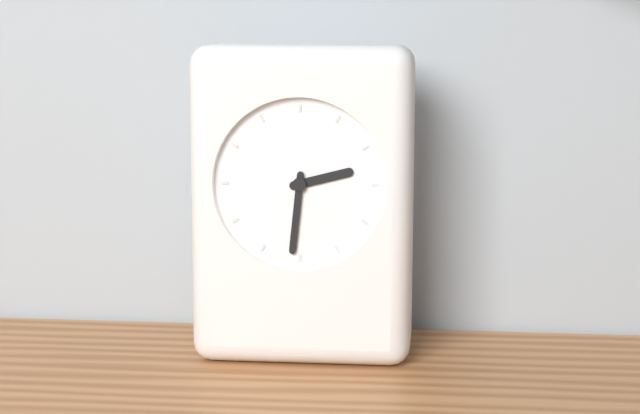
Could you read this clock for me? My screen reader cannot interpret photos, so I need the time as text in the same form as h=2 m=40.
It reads h=2 m=31
